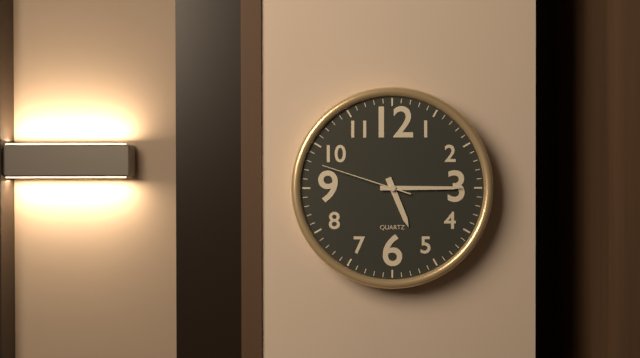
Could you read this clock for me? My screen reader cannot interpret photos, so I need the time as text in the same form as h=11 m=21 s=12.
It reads h=5 m=15 s=48
